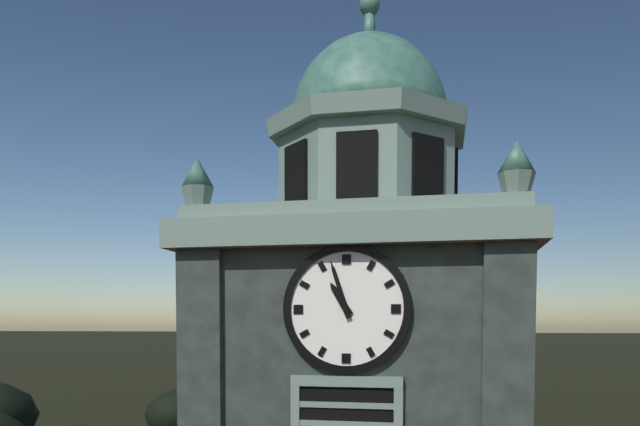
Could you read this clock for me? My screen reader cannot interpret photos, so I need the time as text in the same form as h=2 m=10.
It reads h=10 m=57
